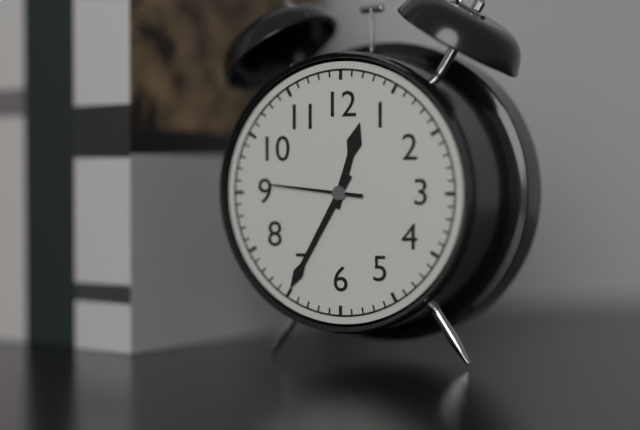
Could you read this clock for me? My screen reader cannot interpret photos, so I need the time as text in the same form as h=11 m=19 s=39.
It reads h=12 m=35 s=46
